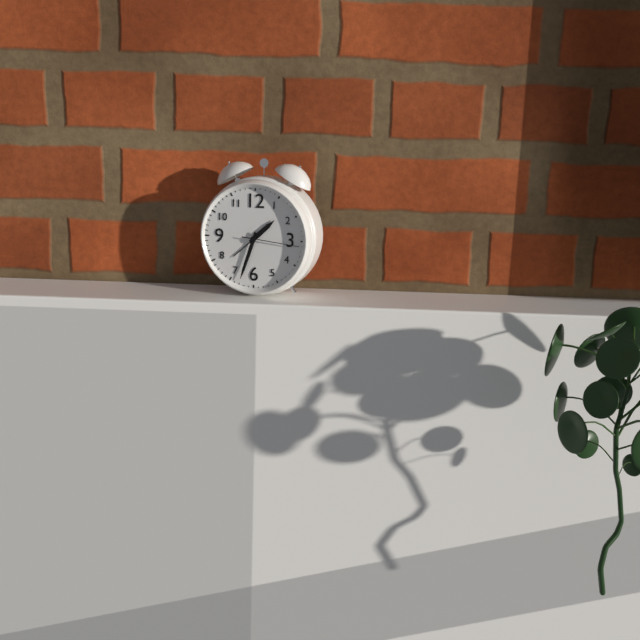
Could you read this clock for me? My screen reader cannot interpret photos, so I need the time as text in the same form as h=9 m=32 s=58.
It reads h=1 m=33 s=16
